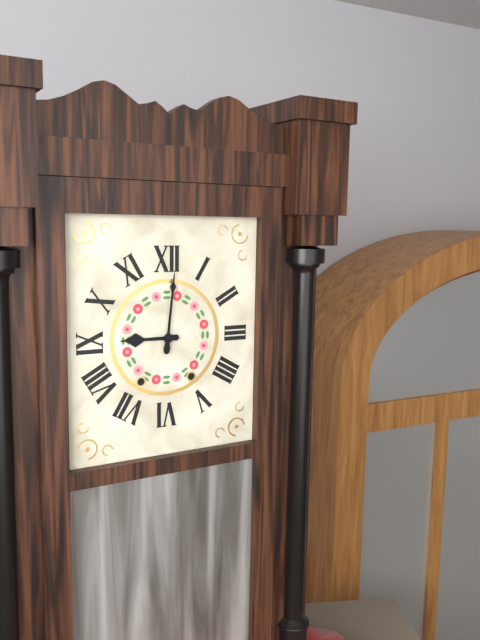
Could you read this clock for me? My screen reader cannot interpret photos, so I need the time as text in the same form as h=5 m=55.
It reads h=9 m=1
